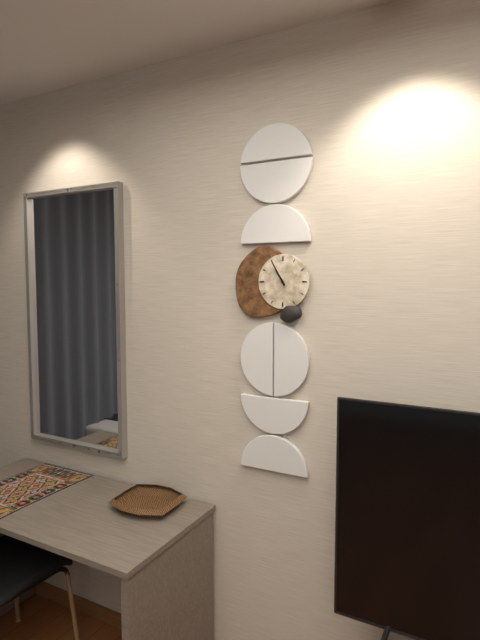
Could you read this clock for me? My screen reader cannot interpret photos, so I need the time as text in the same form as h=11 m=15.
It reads h=10 m=55
